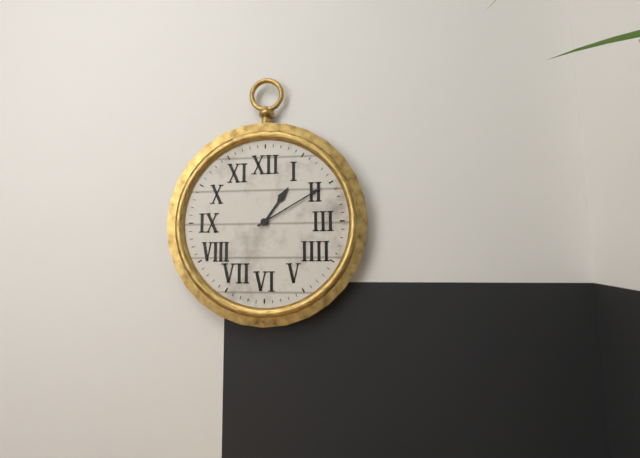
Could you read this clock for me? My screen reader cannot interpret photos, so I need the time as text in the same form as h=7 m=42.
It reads h=1 m=10
